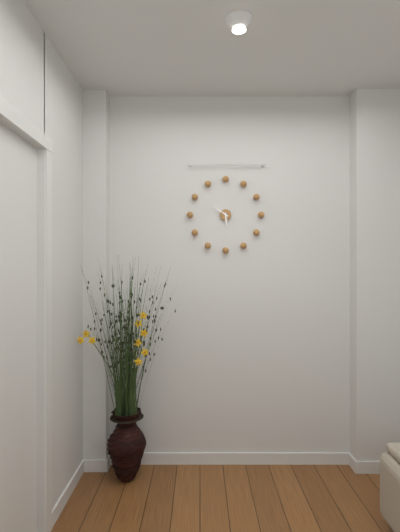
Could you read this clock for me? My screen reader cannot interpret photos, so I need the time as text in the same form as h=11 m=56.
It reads h=5 m=51
